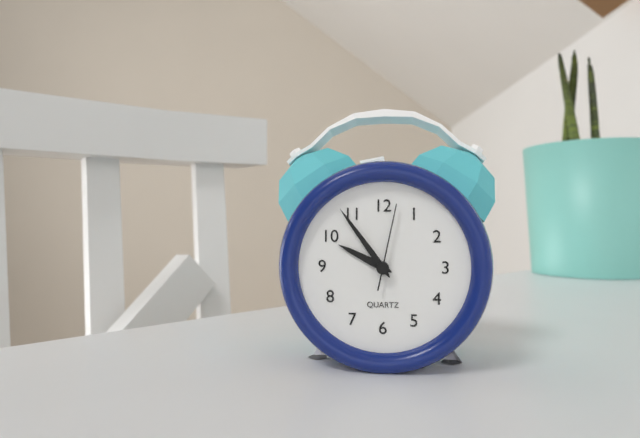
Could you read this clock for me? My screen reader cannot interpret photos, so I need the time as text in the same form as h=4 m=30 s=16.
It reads h=9 m=54 s=2
